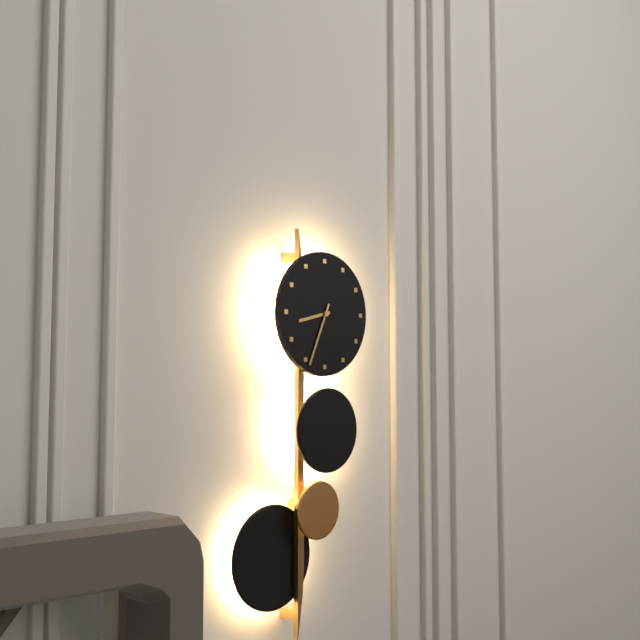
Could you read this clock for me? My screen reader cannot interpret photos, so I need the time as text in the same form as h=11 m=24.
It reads h=8 m=34
